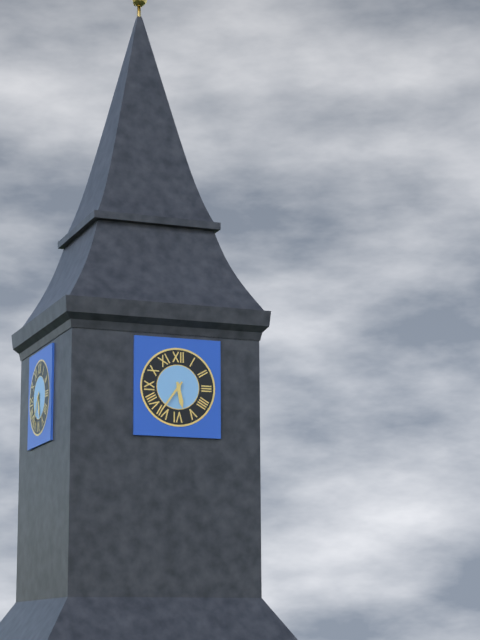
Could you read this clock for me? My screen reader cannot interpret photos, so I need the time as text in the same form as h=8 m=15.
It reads h=5 m=36
